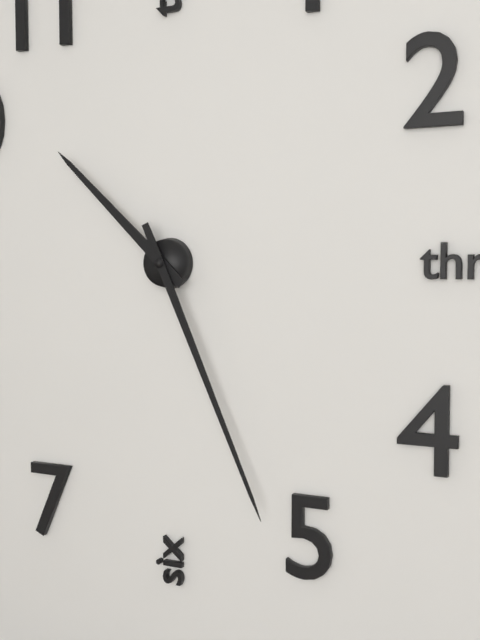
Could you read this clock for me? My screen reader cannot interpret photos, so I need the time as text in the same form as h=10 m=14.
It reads h=10 m=26
